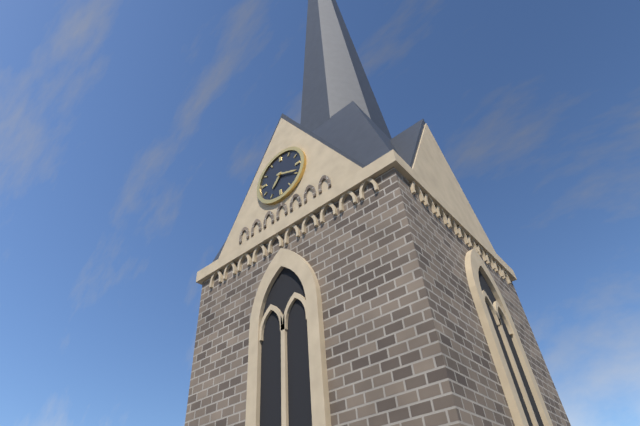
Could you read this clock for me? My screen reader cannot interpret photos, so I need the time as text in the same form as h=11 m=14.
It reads h=7 m=19
